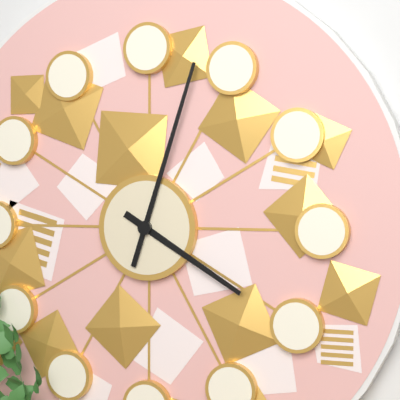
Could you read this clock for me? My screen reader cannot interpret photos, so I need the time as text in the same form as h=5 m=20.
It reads h=4 m=3
